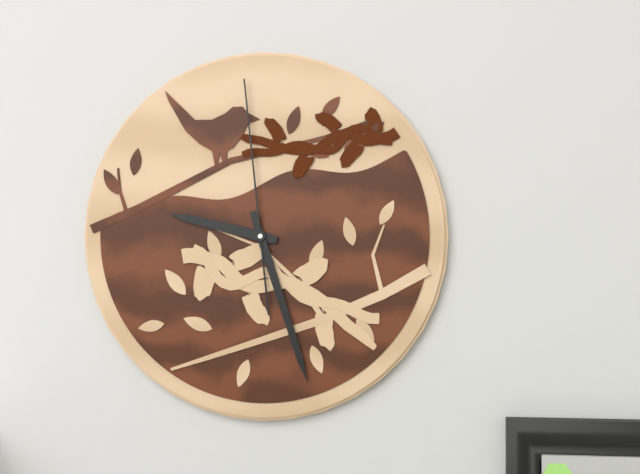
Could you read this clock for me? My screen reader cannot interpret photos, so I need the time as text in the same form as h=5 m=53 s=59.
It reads h=9 m=27 s=59
